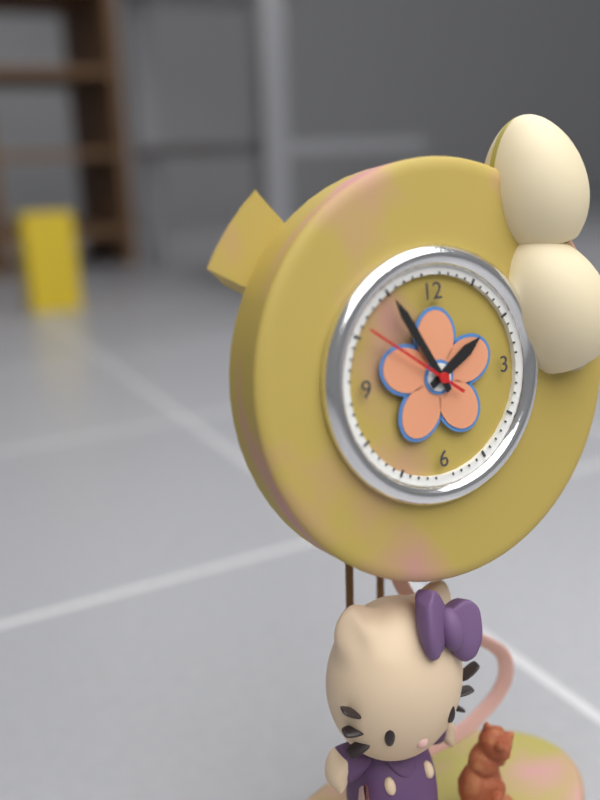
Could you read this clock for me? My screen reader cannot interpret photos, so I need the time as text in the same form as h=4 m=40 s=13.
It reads h=1 m=55 s=51
